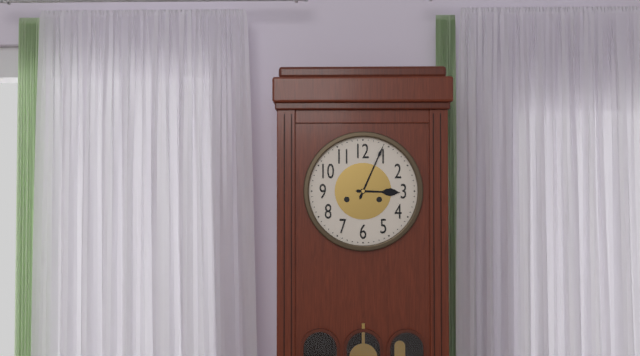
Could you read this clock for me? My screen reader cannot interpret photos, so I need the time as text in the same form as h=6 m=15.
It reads h=3 m=4
